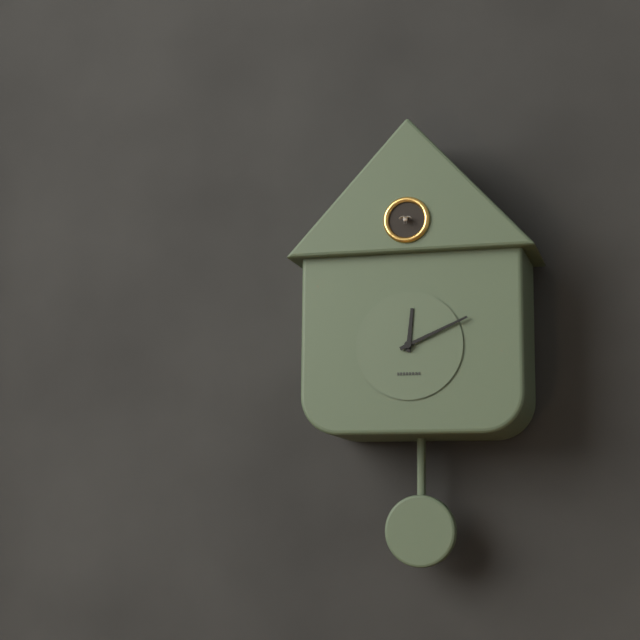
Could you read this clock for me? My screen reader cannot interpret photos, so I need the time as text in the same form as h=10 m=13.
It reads h=12 m=11
